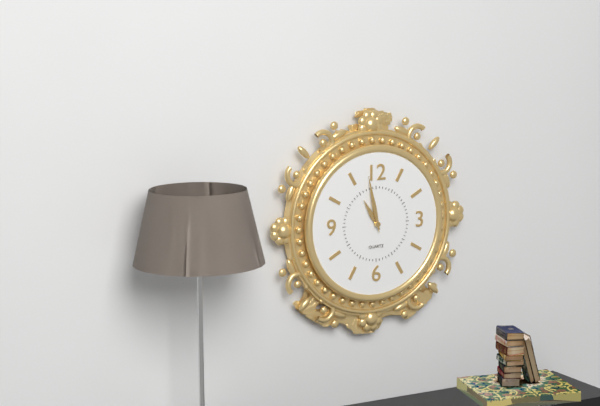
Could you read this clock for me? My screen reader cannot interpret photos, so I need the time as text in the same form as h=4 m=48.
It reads h=10 m=58
